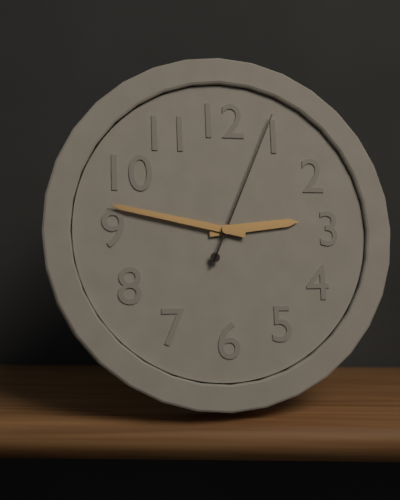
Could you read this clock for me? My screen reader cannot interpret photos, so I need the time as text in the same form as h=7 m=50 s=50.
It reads h=2 m=47 s=4
